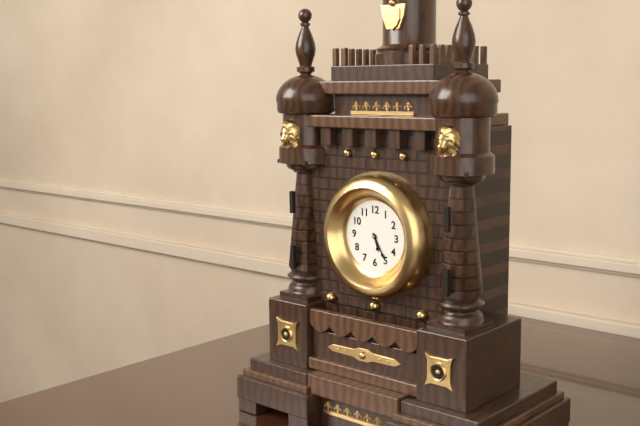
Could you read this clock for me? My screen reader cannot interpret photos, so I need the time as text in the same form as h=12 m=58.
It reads h=5 m=25
